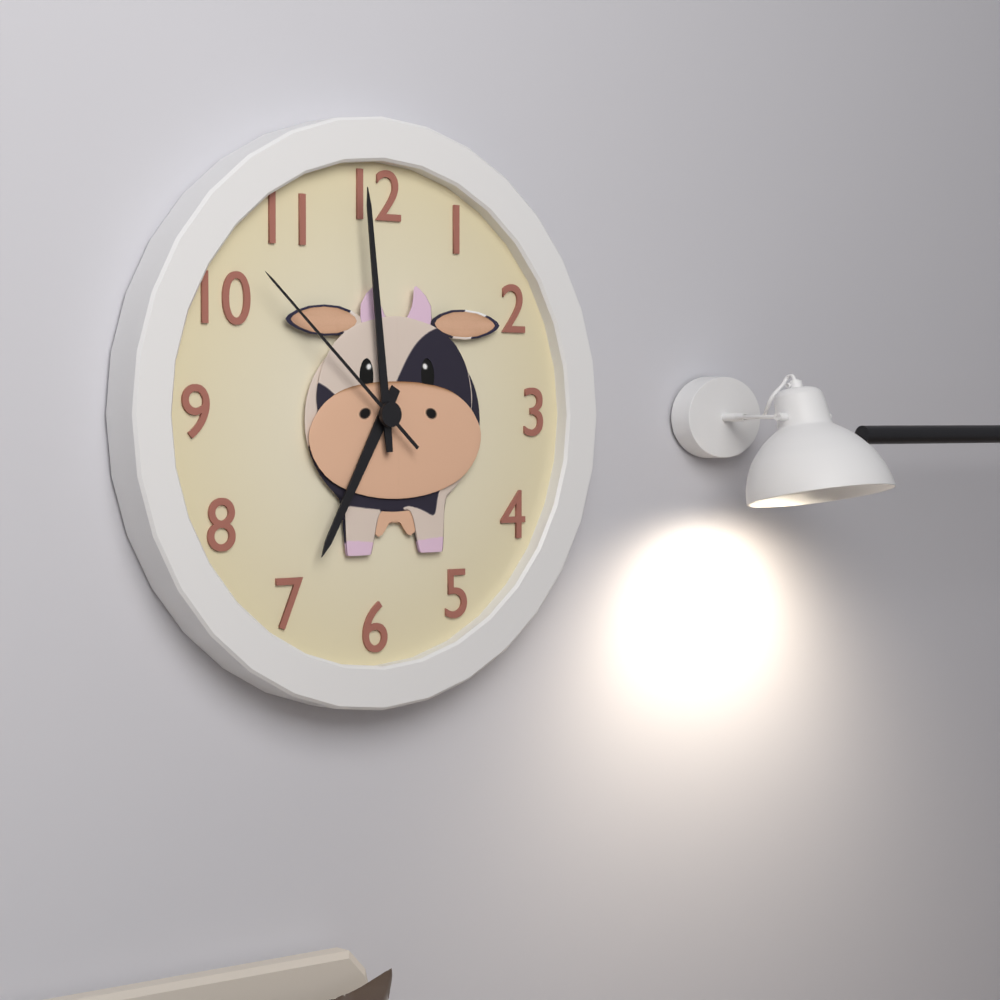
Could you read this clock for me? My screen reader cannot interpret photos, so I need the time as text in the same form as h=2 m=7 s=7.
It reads h=6 m=59 s=52
